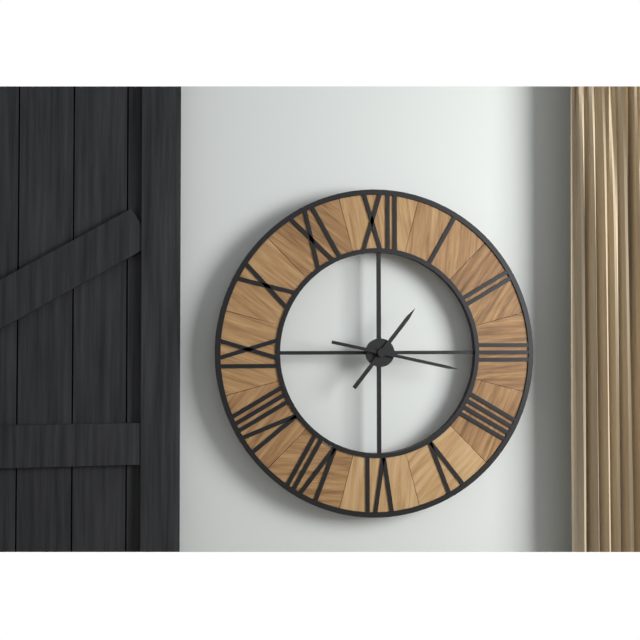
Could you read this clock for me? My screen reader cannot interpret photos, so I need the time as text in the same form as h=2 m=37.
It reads h=1 m=17
